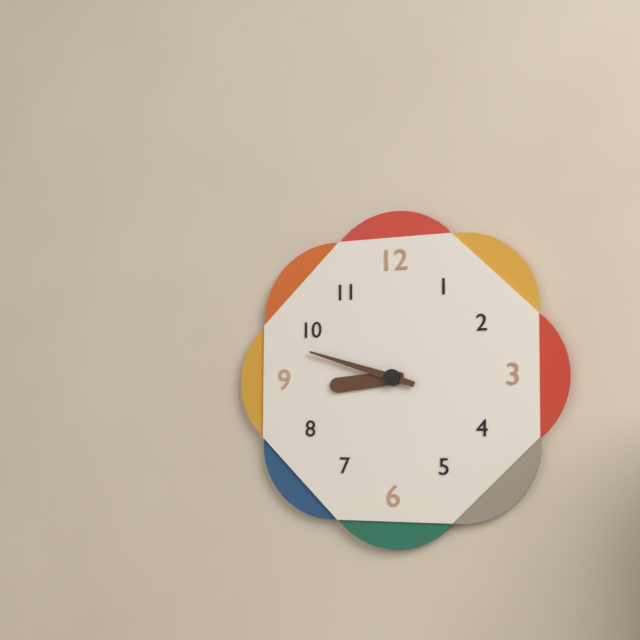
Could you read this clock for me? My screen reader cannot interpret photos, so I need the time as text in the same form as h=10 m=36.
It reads h=8 m=48
